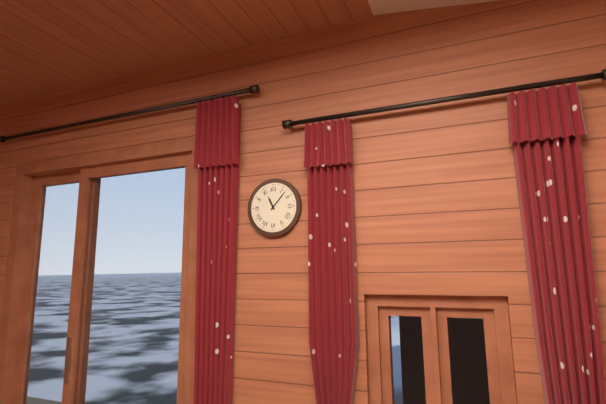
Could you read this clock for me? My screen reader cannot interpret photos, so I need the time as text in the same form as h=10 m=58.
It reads h=11 m=7
